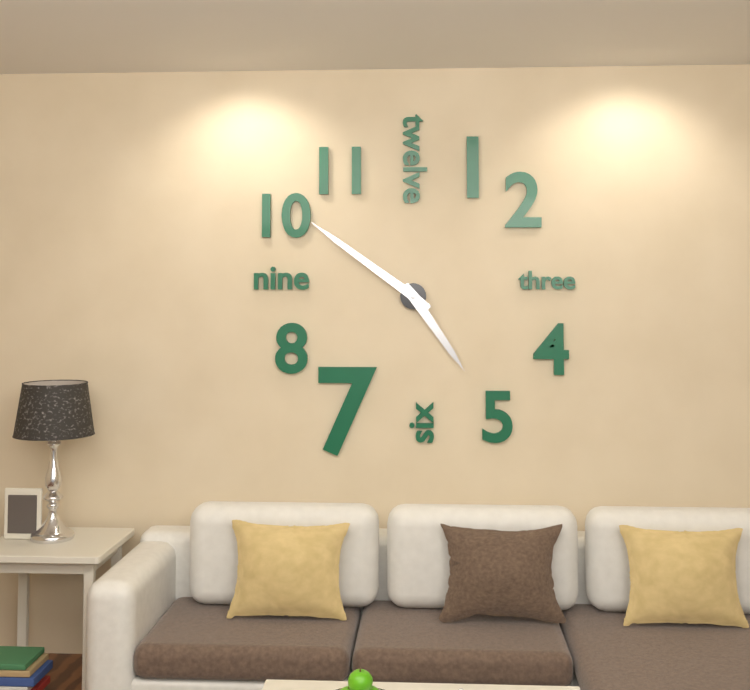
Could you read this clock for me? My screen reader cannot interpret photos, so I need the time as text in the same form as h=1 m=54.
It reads h=4 m=51
